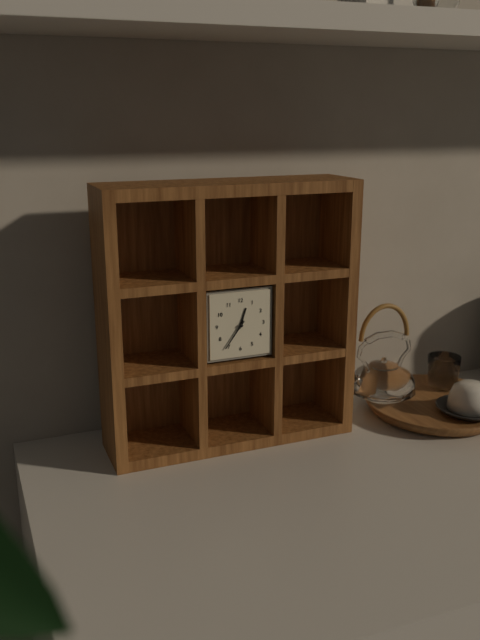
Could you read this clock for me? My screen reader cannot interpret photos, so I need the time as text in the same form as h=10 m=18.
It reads h=12 m=36
